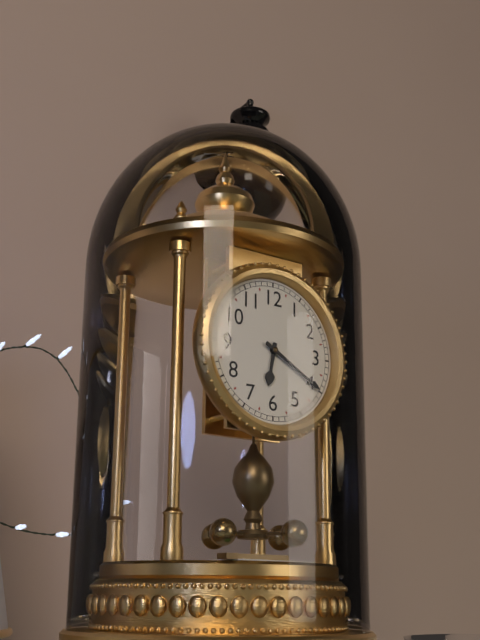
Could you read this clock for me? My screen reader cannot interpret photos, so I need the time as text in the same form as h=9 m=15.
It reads h=6 m=20
